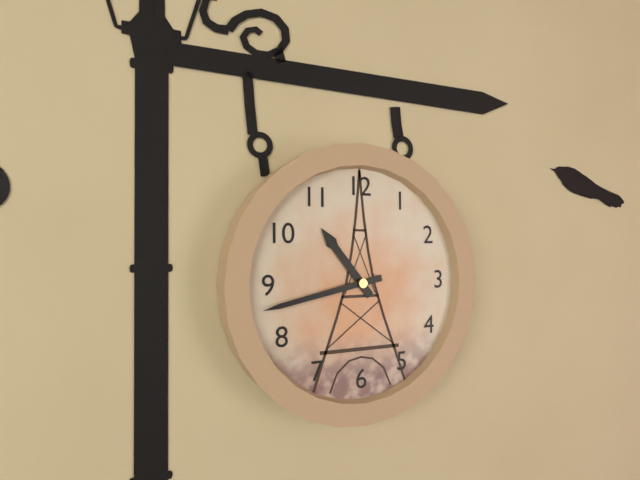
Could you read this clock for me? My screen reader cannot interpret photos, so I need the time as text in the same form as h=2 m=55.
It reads h=10 m=43
